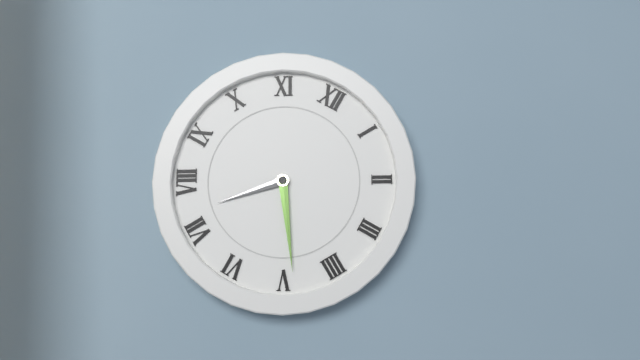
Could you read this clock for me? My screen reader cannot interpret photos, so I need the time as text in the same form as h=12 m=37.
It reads h=7 m=24
